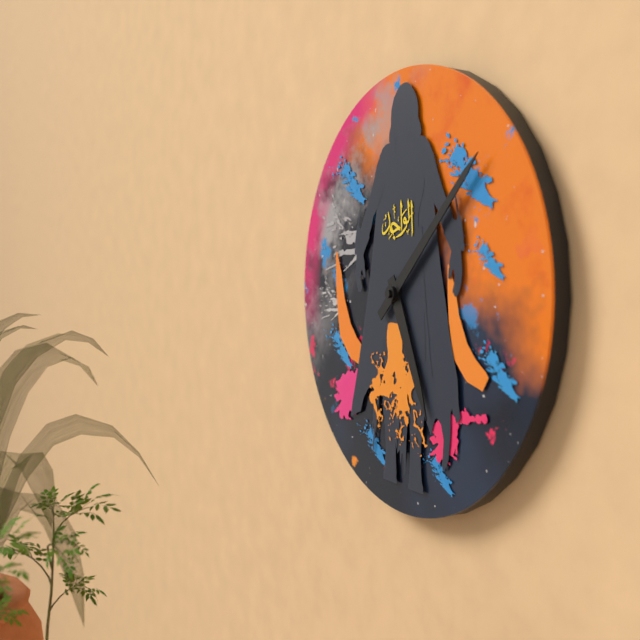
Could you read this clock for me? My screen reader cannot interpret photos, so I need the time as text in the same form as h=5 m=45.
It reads h=5 m=8
